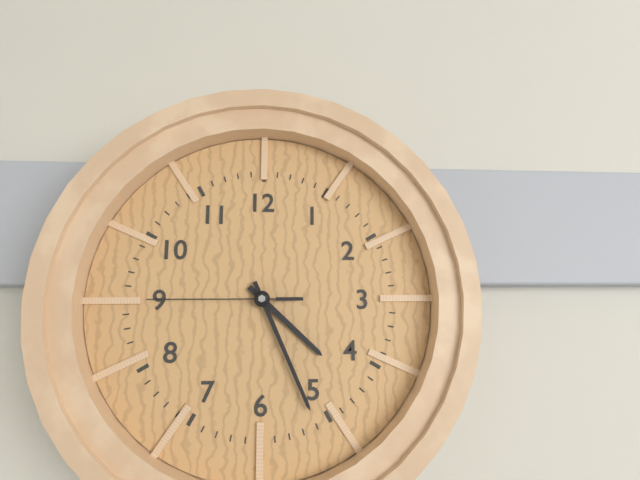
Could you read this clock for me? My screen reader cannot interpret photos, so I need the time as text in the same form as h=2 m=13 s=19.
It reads h=4 m=26 s=45
